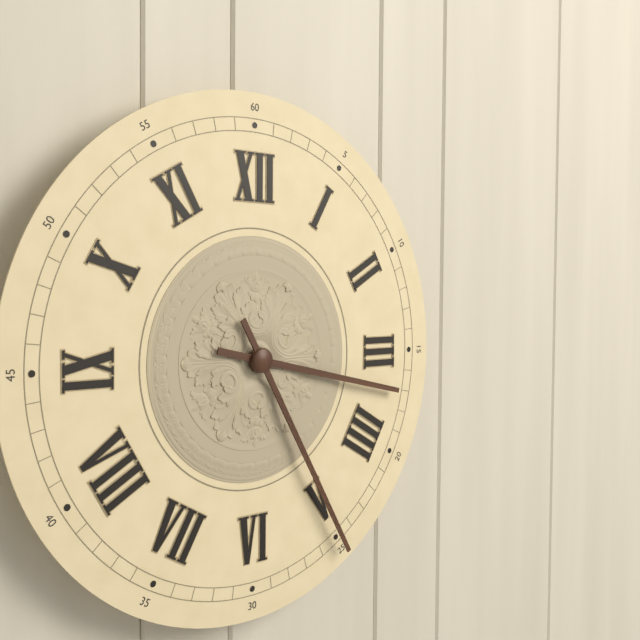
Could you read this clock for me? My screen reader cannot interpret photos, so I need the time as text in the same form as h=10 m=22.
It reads h=3 m=25
